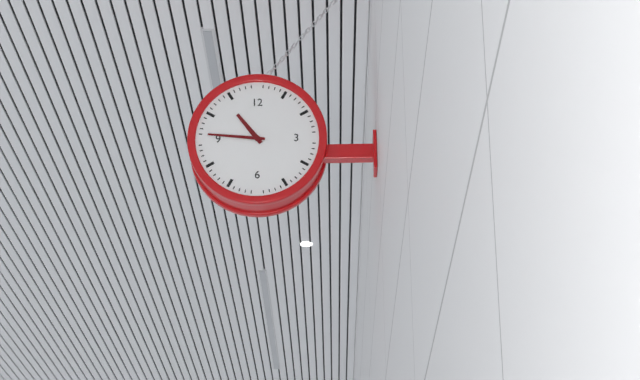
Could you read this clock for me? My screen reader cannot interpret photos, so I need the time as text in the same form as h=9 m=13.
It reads h=10 m=46
